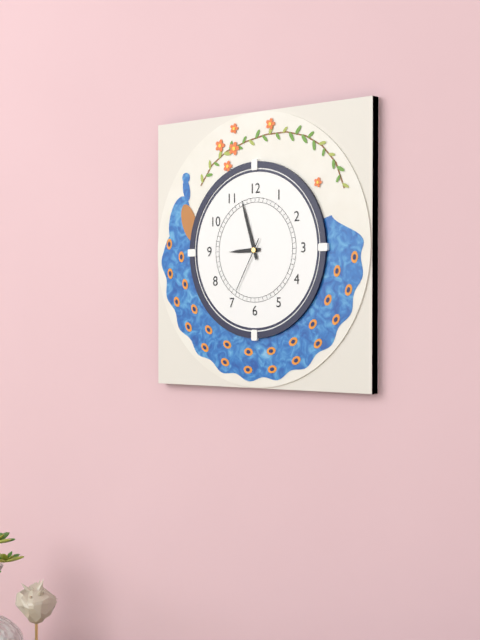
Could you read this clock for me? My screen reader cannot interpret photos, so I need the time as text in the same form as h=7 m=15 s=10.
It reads h=8 m=57 s=35
